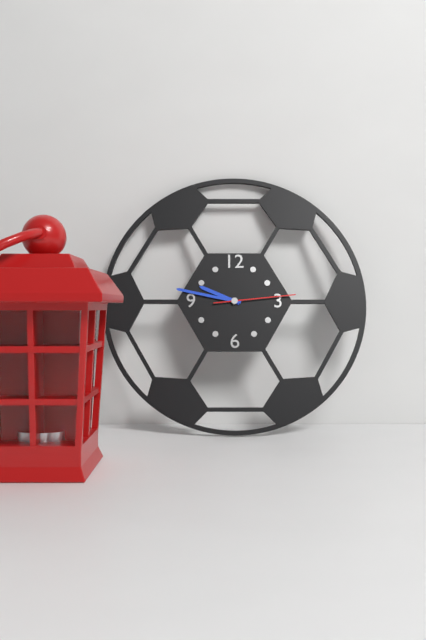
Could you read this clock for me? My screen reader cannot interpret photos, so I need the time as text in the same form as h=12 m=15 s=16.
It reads h=9 m=47 s=14
